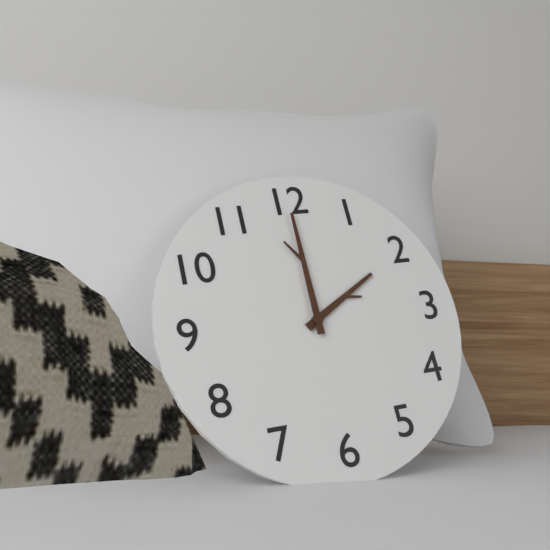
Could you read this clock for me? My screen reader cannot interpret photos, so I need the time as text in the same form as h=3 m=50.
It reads h=2 m=0
